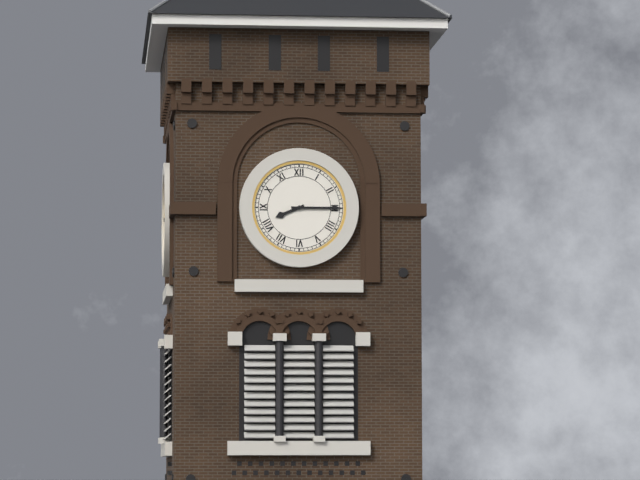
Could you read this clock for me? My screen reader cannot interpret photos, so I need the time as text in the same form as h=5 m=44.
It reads h=8 m=15
